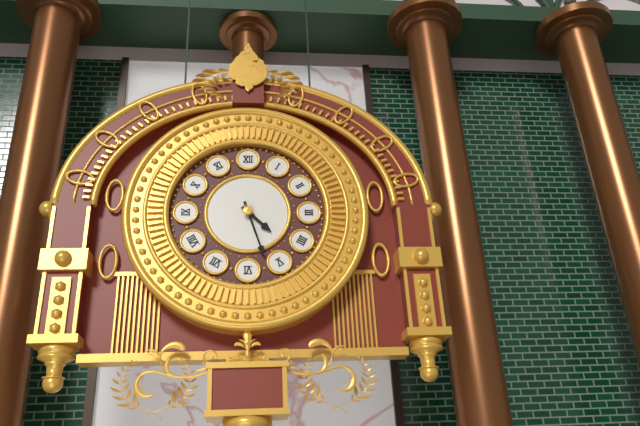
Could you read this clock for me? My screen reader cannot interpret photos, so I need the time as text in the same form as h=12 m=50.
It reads h=4 m=27
